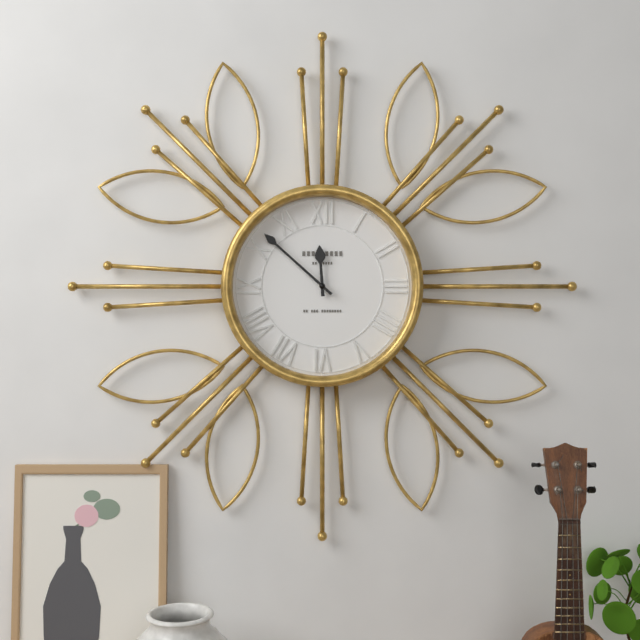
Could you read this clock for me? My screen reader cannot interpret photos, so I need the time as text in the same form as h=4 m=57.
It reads h=11 m=52
